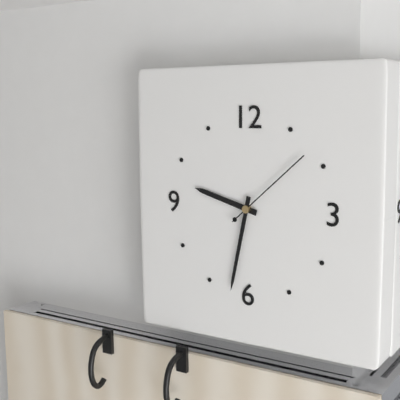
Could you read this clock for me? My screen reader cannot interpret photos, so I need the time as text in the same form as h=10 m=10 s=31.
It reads h=9 m=32 s=8
